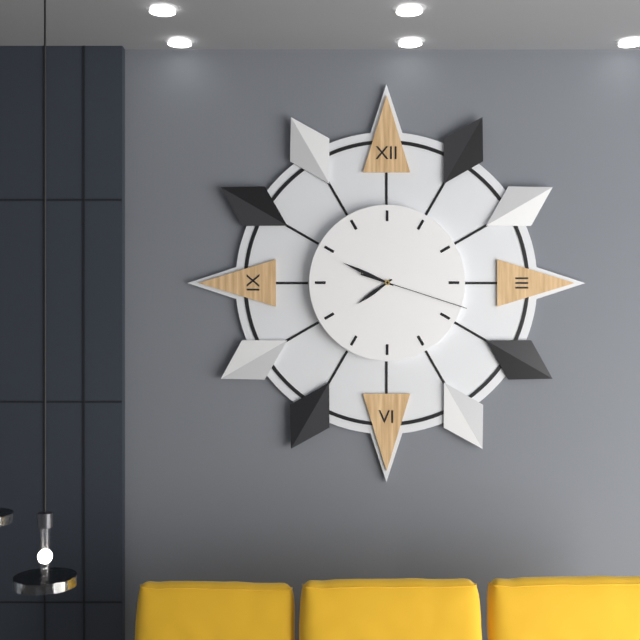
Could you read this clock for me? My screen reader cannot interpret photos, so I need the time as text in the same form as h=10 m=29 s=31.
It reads h=7 m=49 s=18
